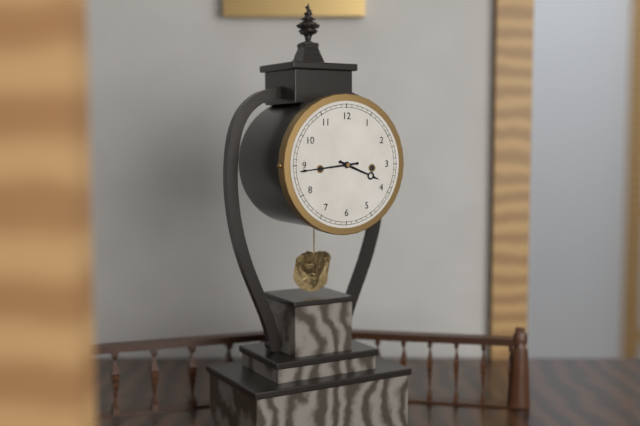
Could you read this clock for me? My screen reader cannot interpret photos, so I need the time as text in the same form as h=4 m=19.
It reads h=3 m=44
